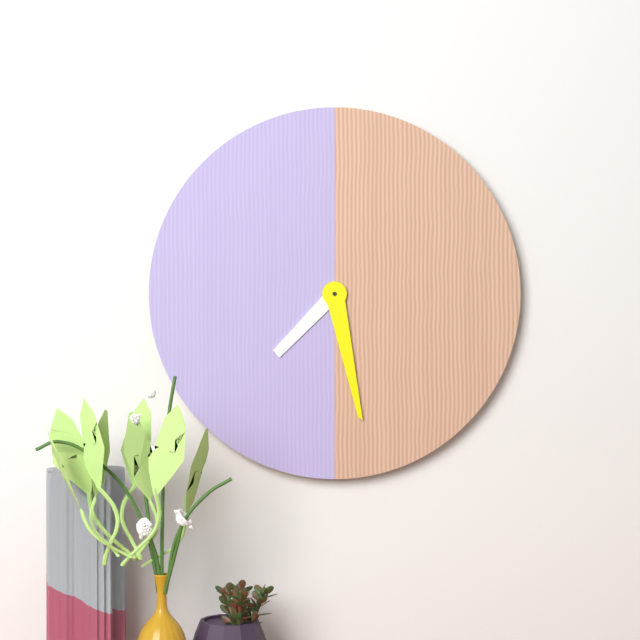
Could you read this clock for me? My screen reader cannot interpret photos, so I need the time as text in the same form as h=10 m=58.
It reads h=7 m=28
